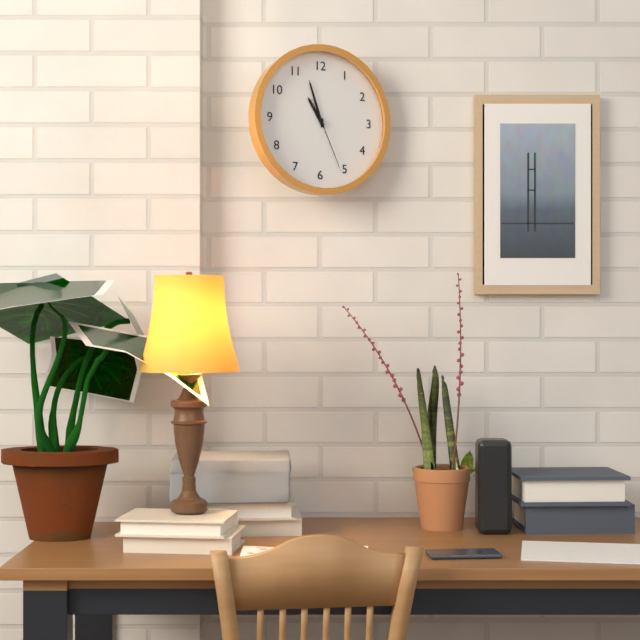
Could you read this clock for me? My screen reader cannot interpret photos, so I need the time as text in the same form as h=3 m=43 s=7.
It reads h=10 m=57 s=26
